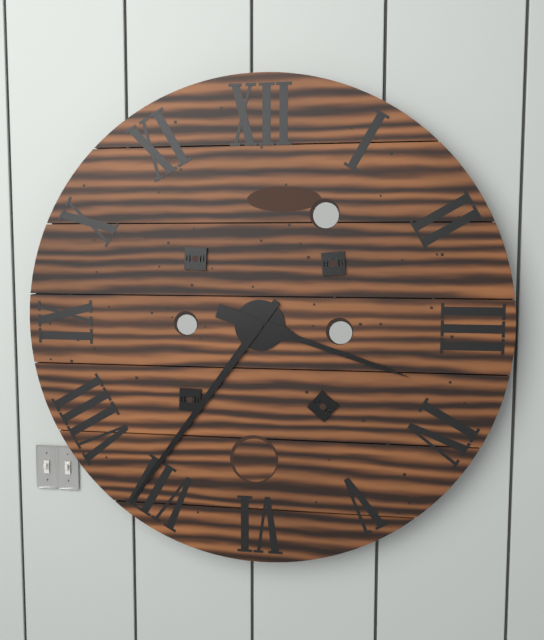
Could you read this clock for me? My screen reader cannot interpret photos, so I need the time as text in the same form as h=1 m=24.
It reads h=3 m=36
